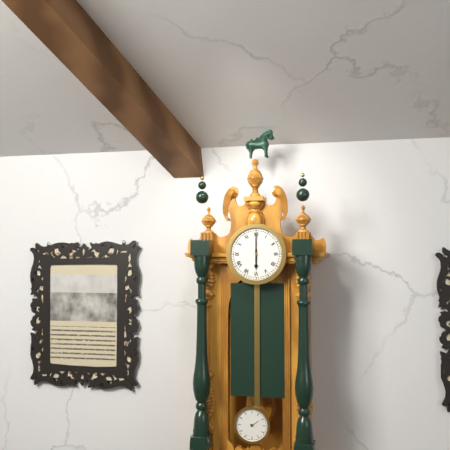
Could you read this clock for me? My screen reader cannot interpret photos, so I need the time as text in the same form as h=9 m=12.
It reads h=6 m=0
